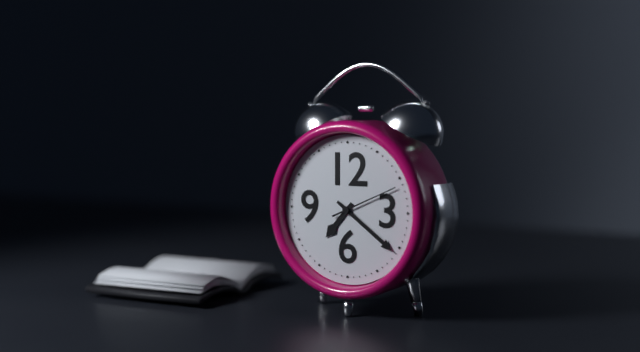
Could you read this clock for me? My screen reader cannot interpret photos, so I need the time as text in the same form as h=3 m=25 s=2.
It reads h=7 m=21 s=11
